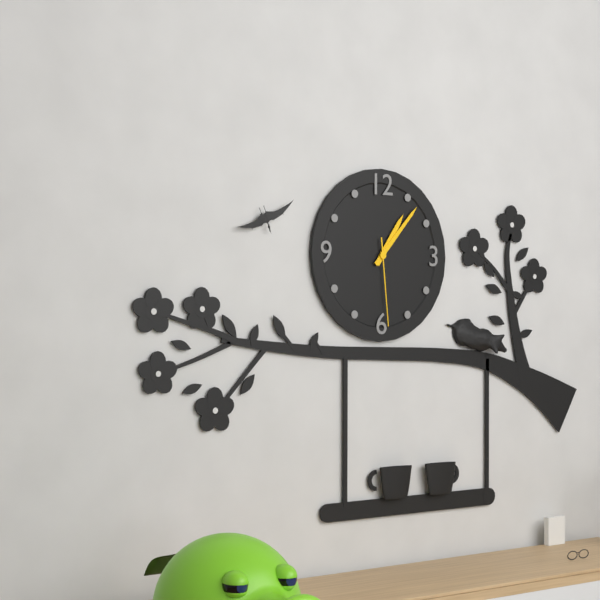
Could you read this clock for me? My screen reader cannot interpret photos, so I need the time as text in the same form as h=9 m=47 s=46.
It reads h=1 m=7 s=29
